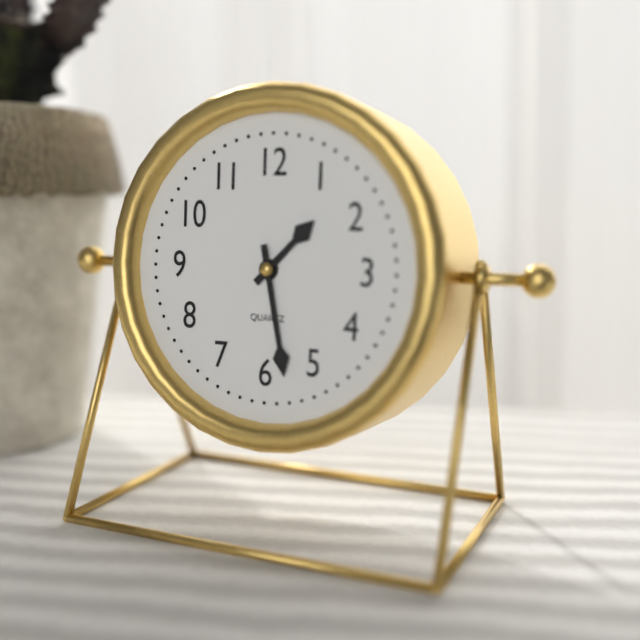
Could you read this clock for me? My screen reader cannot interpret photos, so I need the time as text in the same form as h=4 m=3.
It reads h=1 m=28
